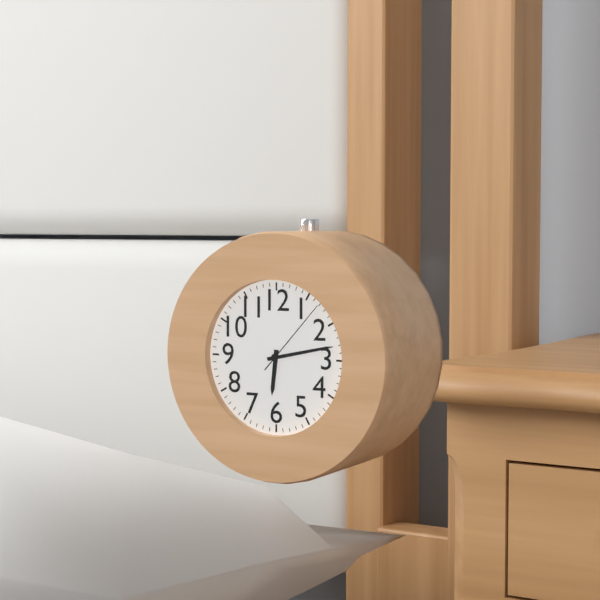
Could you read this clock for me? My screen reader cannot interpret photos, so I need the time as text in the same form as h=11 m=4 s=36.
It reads h=6 m=13 s=7
